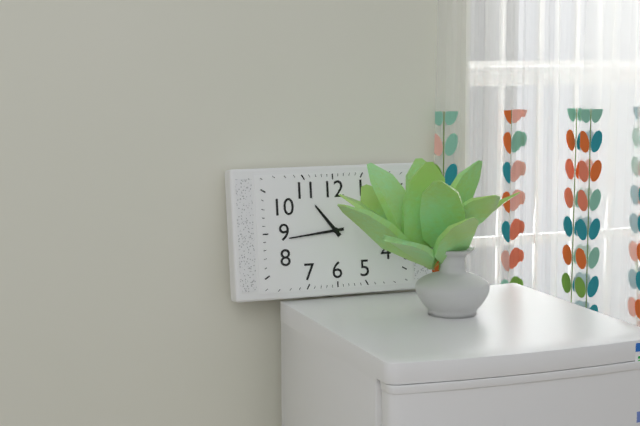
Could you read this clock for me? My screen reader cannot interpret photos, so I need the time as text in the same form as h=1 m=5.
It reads h=10 m=44
